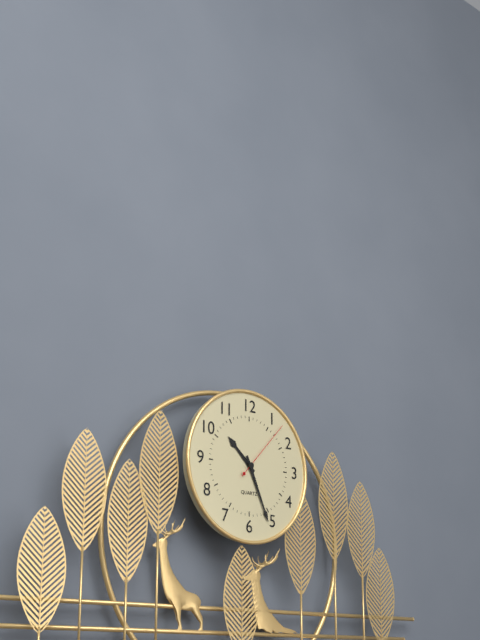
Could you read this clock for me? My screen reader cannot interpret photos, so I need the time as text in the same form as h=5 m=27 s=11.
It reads h=10 m=26 s=7
